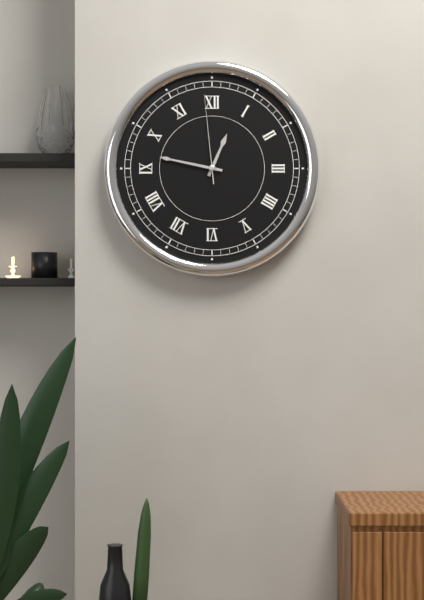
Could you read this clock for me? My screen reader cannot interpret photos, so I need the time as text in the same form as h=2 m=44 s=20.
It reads h=12 m=47 s=59
